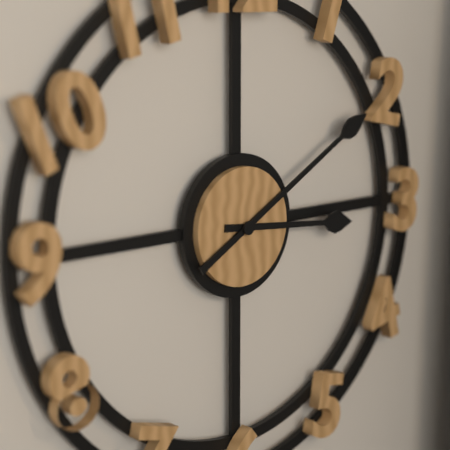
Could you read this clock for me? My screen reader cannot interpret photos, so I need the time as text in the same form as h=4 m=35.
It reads h=3 m=10
